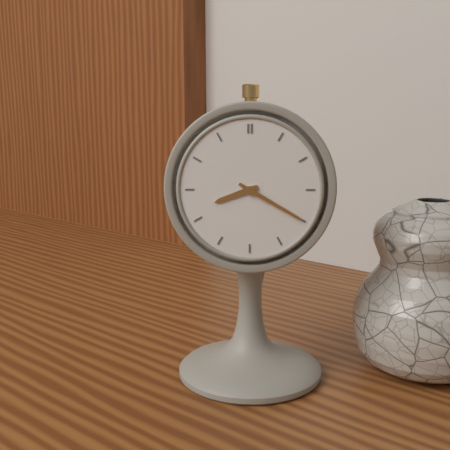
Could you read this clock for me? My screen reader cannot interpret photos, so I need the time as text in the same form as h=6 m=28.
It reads h=8 m=20
